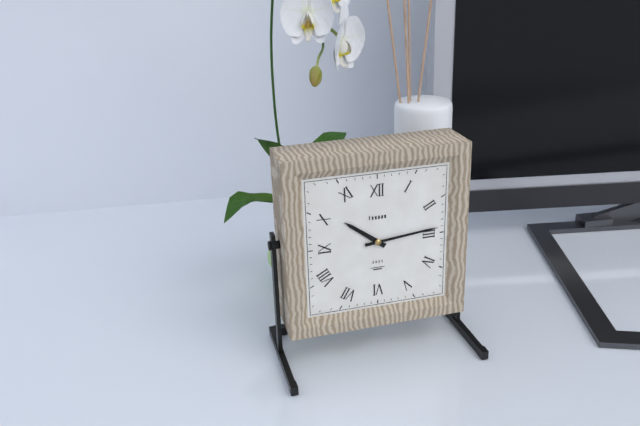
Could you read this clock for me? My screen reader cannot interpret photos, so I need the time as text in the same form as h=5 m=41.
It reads h=10 m=14
